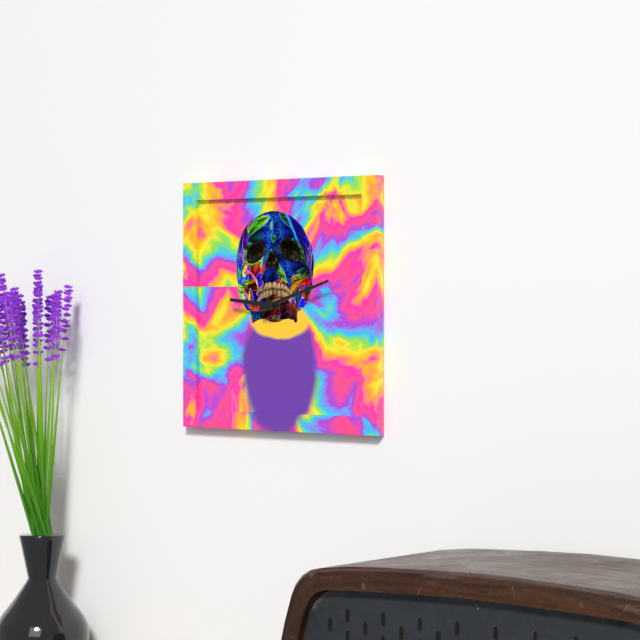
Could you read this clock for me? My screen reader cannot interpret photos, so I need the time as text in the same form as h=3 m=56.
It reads h=9 m=12
